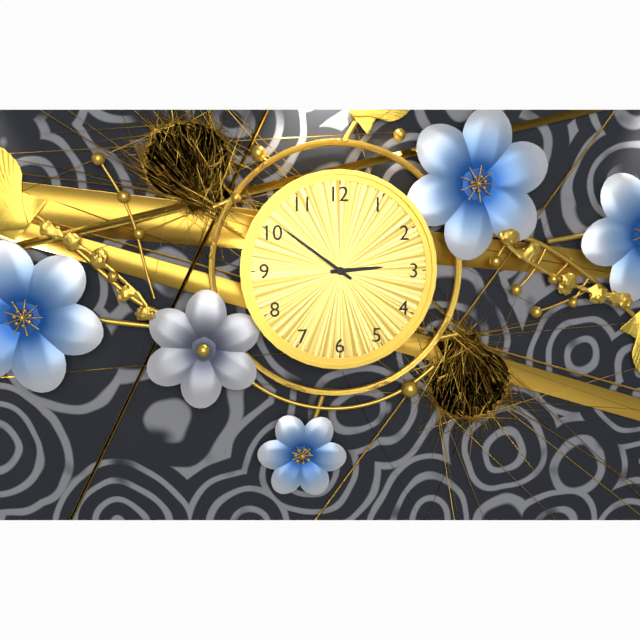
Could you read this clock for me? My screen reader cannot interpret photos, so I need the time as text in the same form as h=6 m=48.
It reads h=2 m=51
